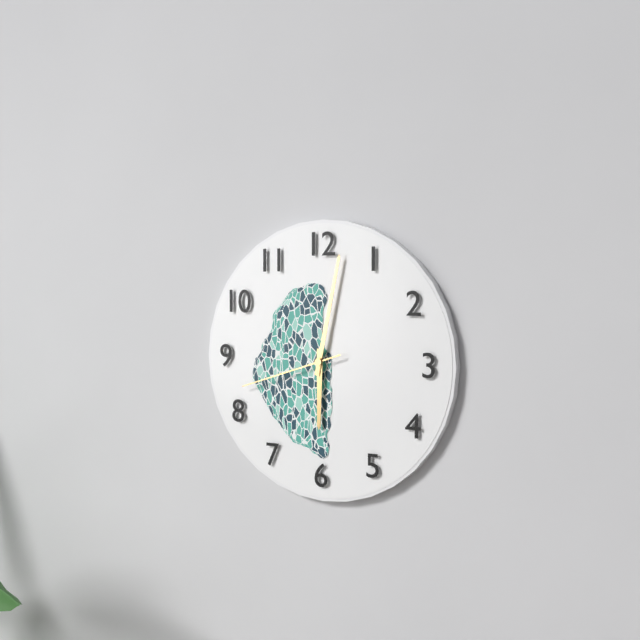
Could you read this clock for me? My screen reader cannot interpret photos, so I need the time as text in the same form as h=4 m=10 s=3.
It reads h=6 m=2 s=42
